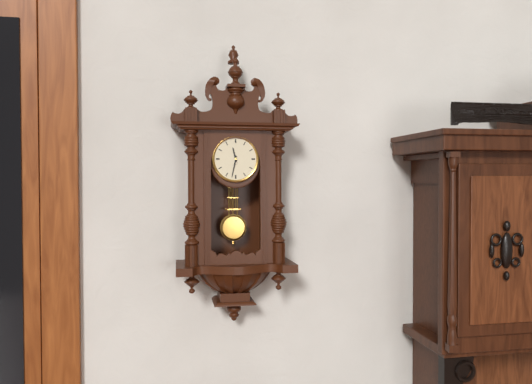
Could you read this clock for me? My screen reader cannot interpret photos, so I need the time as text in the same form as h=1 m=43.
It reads h=11 m=32
